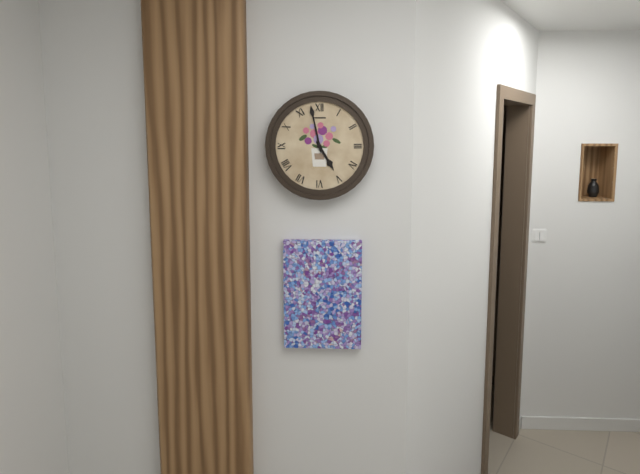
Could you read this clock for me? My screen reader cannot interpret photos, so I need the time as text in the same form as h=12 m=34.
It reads h=4 m=58
